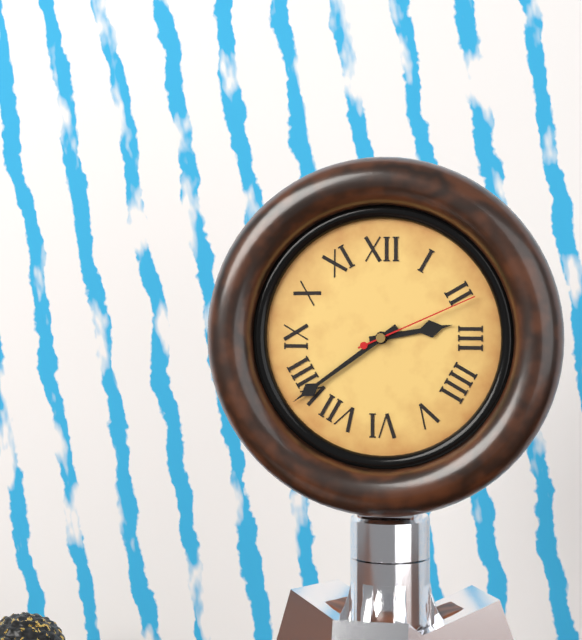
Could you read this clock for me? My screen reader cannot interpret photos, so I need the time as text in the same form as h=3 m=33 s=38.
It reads h=2 m=39 s=11
